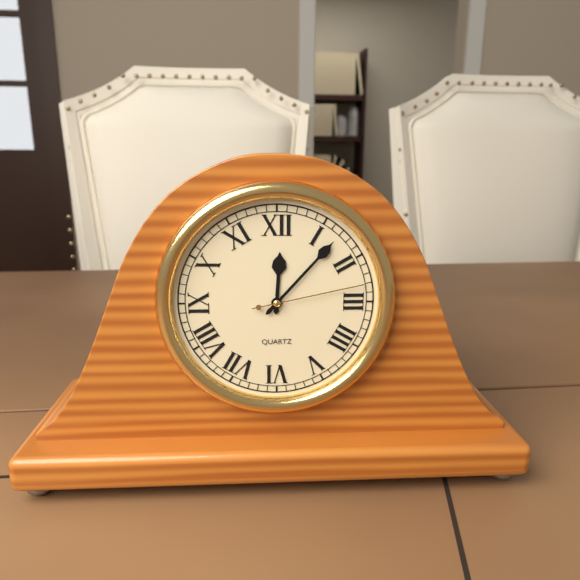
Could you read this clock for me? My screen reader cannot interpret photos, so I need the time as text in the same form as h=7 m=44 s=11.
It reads h=12 m=7 s=13
